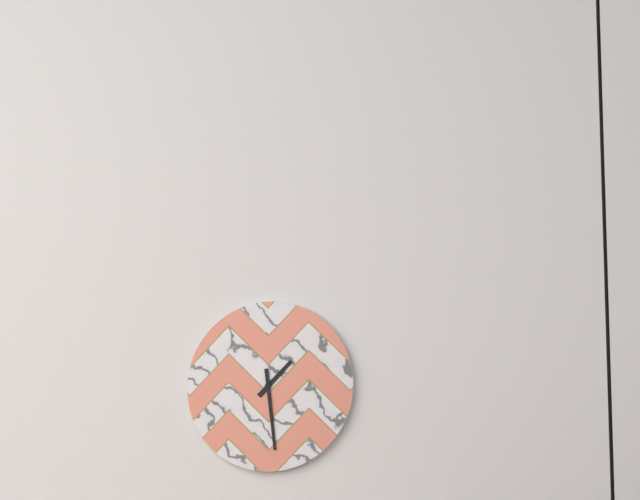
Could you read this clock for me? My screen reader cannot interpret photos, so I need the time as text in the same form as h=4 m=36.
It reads h=1 m=29
